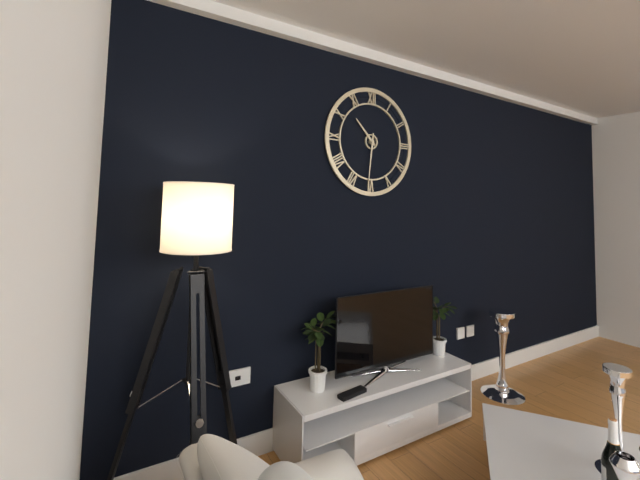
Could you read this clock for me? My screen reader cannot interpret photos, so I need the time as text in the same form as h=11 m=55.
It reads h=10 m=31
